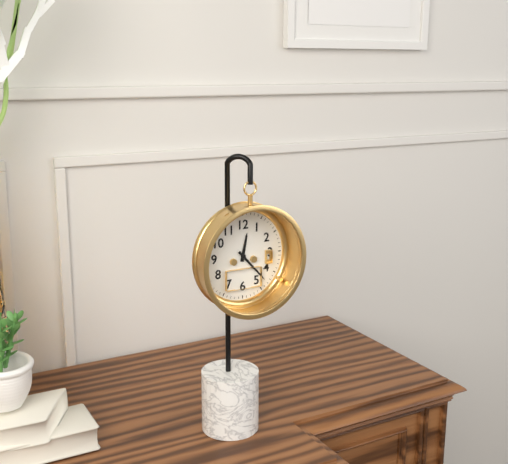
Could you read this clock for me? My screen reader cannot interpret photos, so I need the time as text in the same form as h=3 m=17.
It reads h=12 m=23
